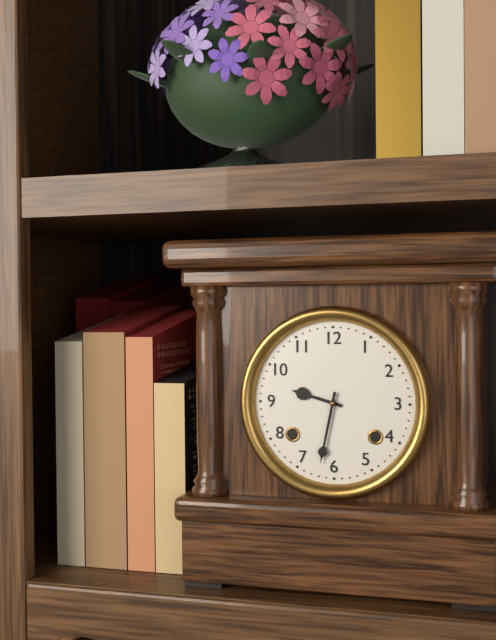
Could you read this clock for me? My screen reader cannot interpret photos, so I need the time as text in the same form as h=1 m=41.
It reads h=9 m=32
